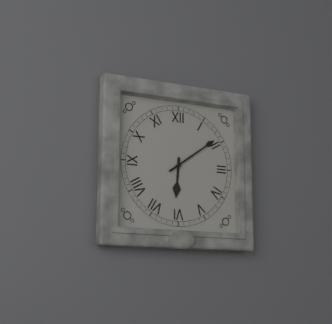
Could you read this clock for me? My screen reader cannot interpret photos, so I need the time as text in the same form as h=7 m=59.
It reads h=6 m=9
